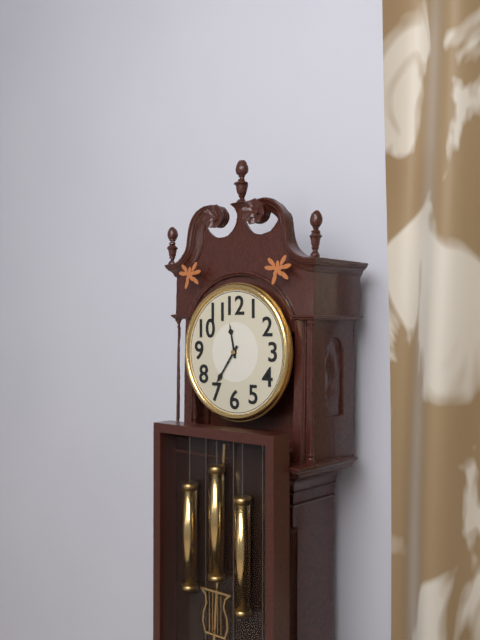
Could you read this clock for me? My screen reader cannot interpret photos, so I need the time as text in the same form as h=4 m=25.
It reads h=11 m=36
